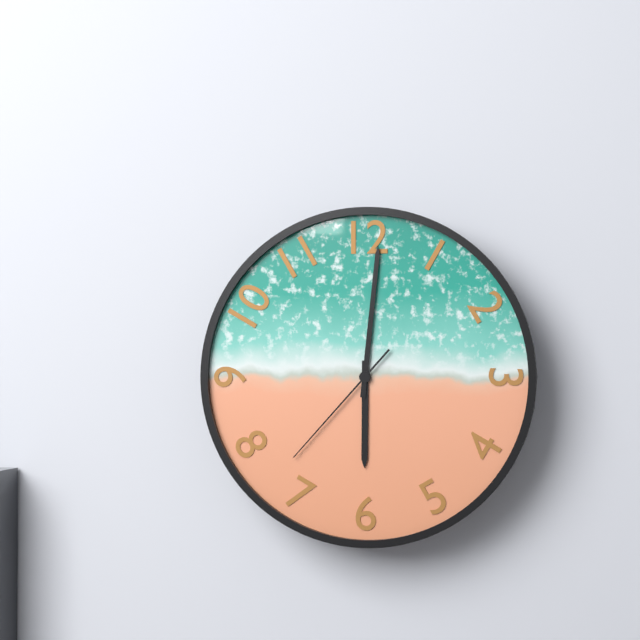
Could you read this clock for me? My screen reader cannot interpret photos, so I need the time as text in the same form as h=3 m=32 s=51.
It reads h=6 m=1 s=37
